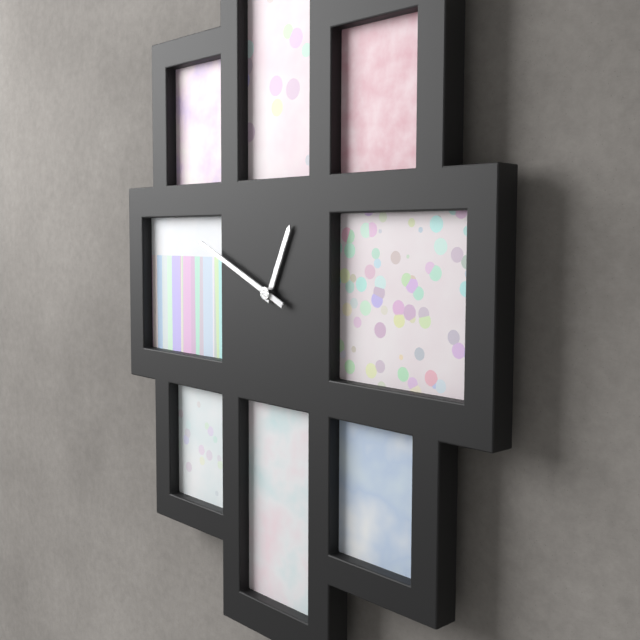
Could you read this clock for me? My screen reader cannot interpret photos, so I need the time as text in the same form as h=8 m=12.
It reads h=12 m=49
